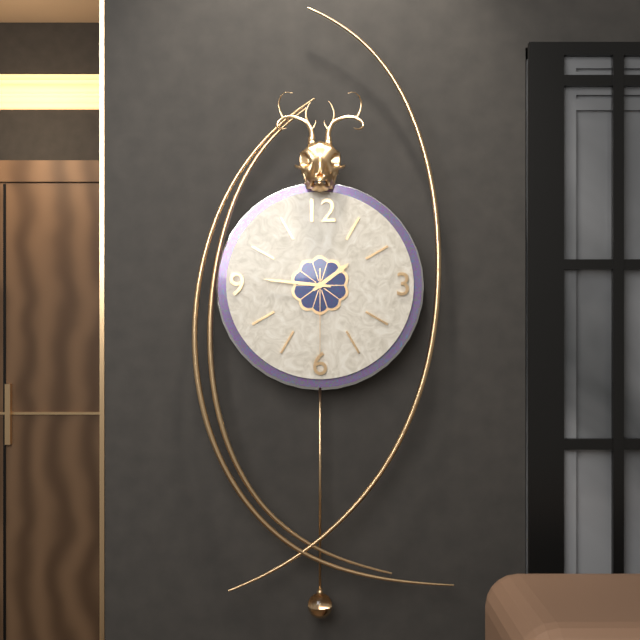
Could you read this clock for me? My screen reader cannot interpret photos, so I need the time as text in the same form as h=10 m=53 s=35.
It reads h=1 m=46 s=30
